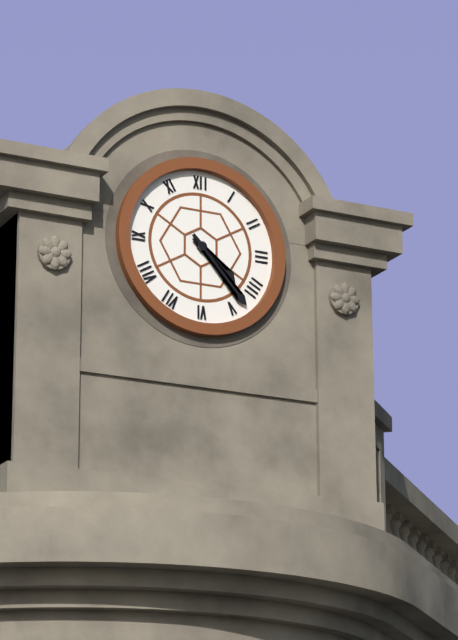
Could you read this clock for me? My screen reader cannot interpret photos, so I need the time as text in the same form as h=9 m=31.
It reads h=4 m=23
